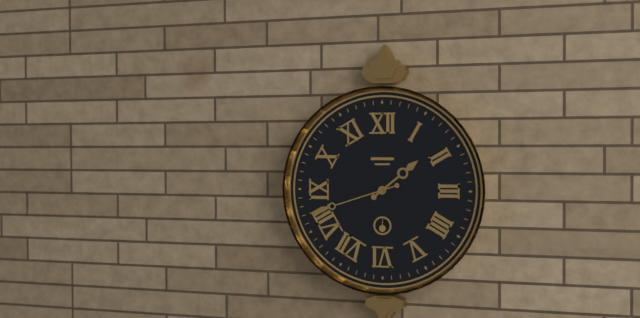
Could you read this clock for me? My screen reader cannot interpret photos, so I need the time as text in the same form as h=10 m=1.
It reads h=1 m=42
